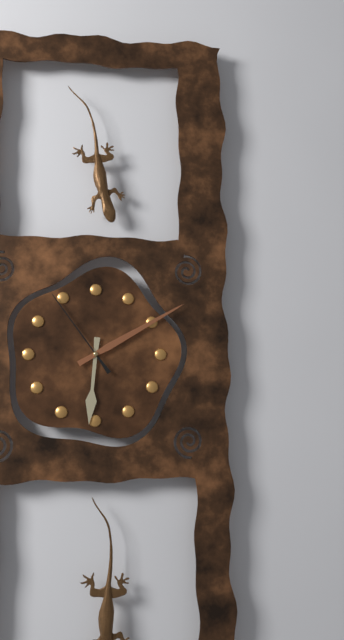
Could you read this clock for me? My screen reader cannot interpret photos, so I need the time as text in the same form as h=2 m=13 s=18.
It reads h=6 m=10 s=54
